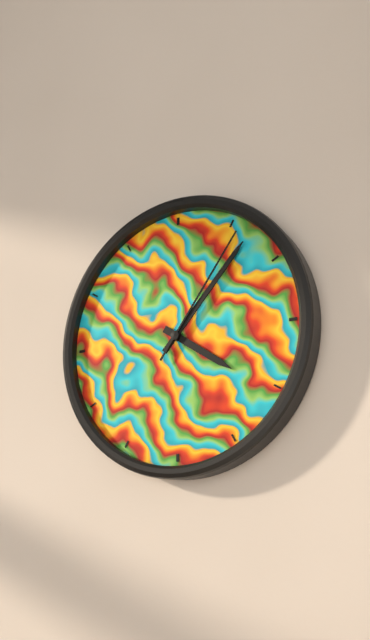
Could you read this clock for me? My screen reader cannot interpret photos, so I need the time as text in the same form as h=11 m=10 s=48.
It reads h=4 m=7 s=6
